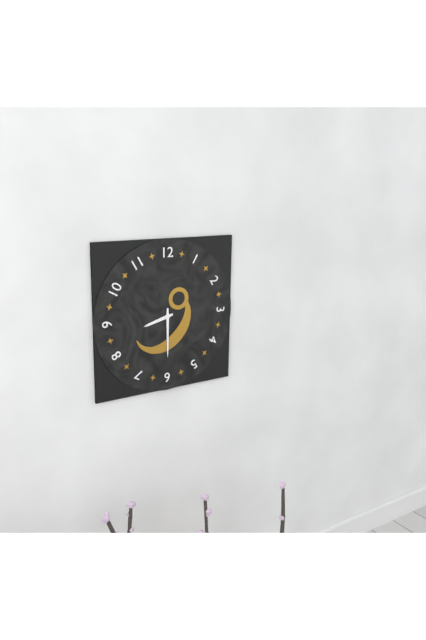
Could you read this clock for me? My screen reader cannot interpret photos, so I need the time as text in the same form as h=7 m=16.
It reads h=8 m=30
